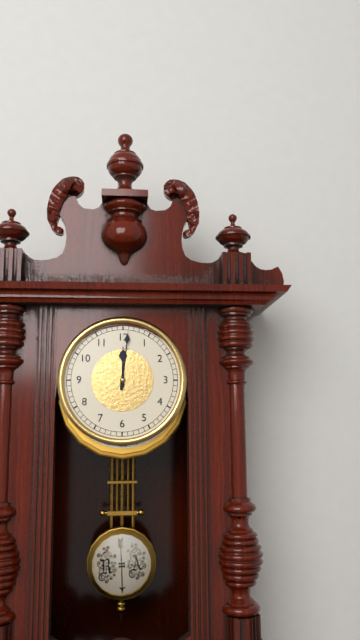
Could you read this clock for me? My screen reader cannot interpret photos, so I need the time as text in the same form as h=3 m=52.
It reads h=12 m=1
